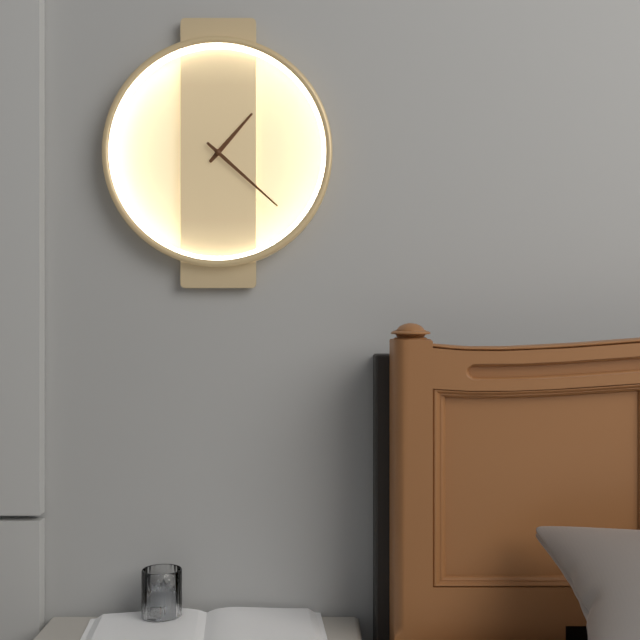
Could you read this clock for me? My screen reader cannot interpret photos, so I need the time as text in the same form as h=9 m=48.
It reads h=1 m=22
